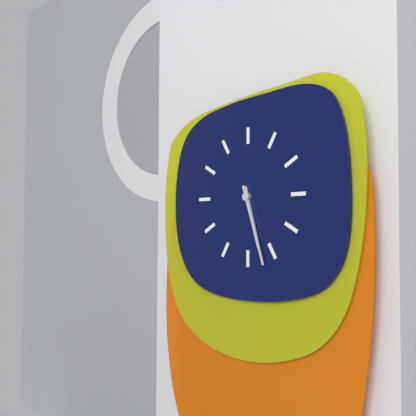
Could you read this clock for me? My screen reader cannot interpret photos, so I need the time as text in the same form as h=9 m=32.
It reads h=5 m=27
